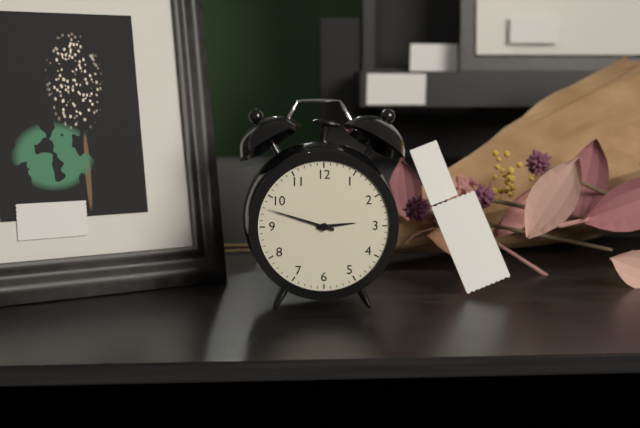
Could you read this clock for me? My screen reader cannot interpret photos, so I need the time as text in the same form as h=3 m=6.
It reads h=2 m=48
